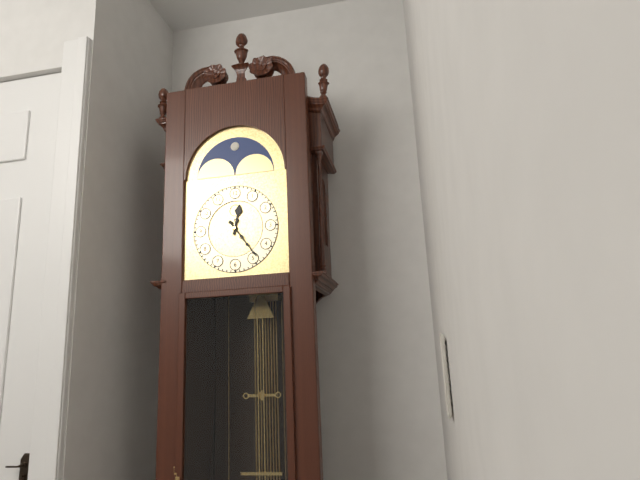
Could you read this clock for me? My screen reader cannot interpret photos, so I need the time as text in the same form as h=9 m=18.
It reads h=12 m=24
